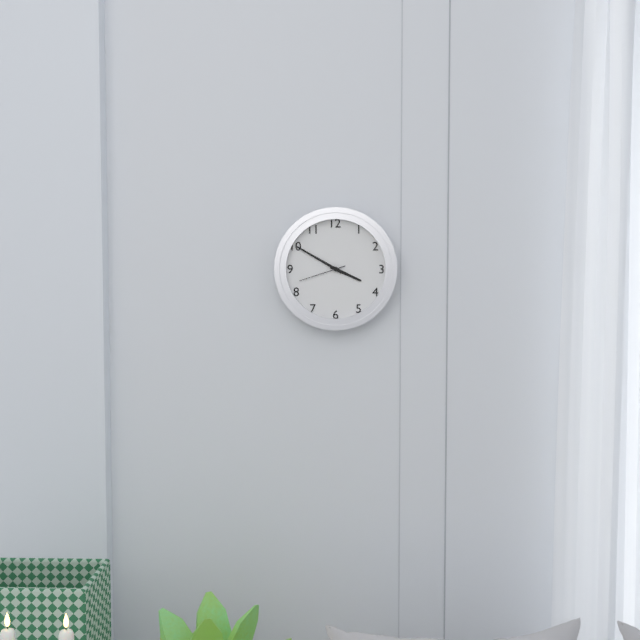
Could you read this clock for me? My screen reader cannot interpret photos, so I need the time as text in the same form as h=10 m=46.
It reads h=3 m=50
